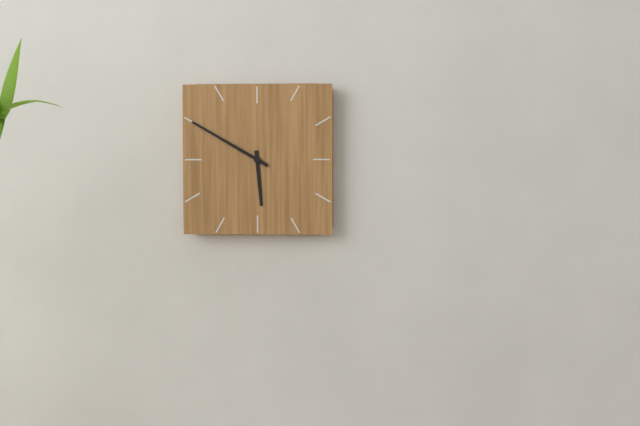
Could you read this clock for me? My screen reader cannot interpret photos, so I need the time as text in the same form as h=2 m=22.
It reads h=5 m=50
